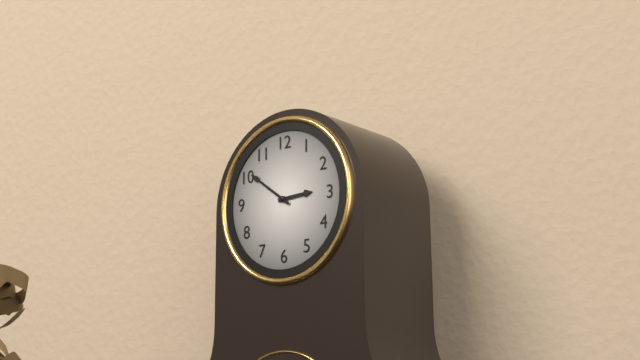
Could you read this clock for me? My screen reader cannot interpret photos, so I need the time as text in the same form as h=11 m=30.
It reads h=2 m=51
